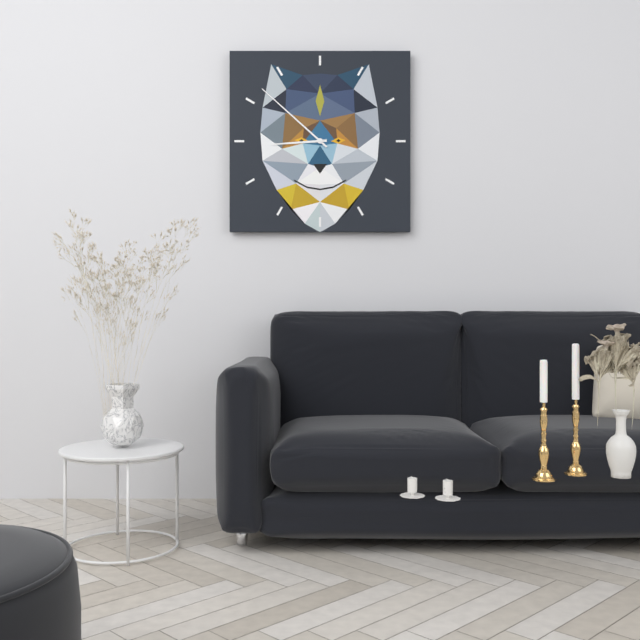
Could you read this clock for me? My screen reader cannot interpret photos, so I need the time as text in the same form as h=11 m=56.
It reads h=8 m=52
